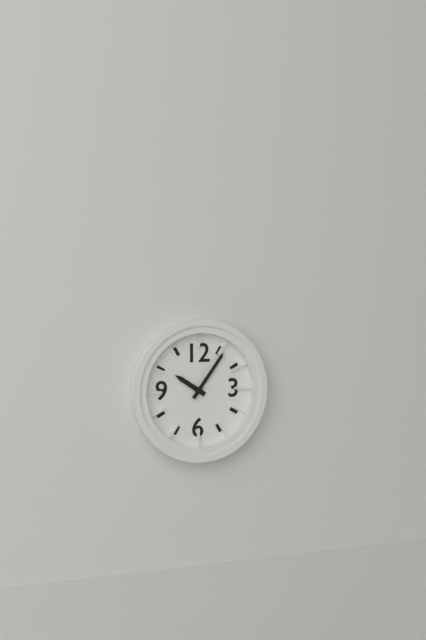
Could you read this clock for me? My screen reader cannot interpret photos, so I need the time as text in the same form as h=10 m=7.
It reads h=10 m=6
